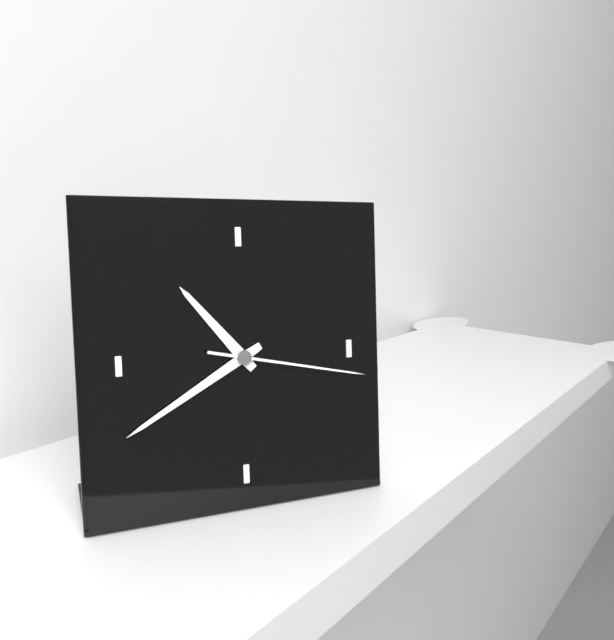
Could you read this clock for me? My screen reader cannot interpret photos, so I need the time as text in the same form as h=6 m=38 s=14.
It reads h=10 m=40 s=17
